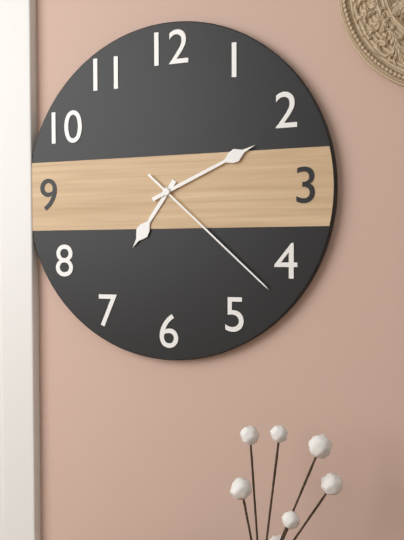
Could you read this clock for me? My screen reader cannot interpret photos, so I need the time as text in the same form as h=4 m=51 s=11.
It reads h=7 m=11 s=22
